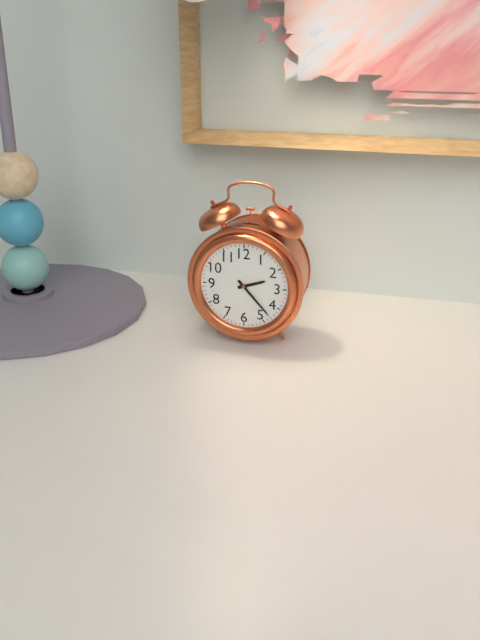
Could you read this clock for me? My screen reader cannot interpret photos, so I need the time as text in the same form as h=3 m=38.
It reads h=2 m=23
